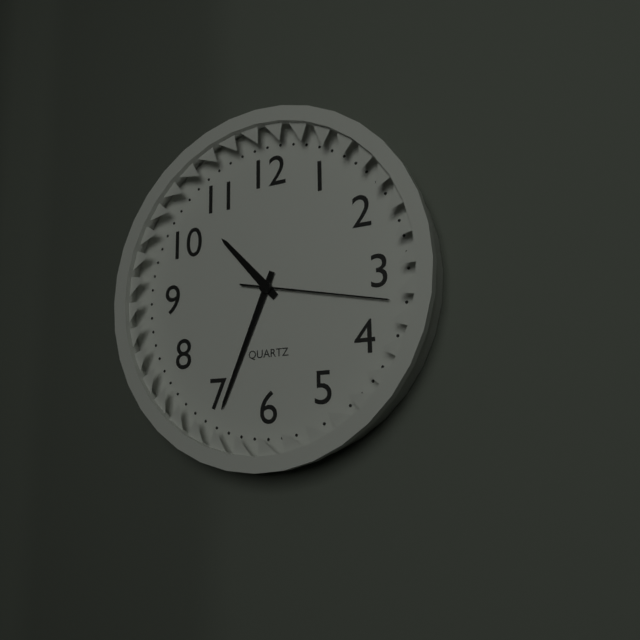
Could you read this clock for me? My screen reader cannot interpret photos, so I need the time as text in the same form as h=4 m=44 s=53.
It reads h=10 m=34 s=17
